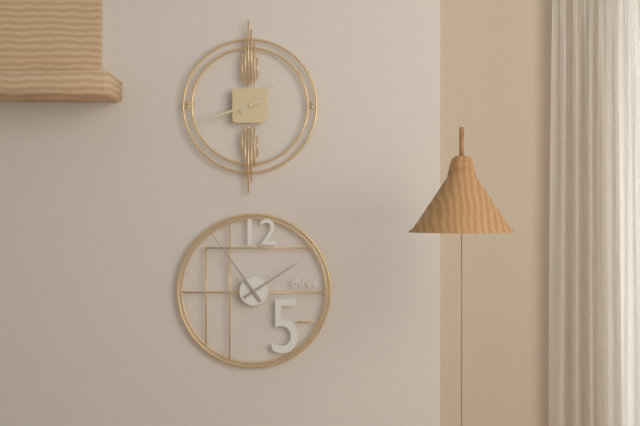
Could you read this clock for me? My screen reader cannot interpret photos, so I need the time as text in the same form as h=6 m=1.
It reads h=1 m=42
